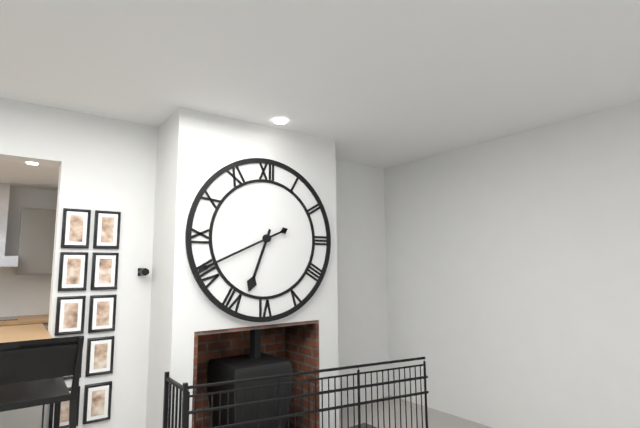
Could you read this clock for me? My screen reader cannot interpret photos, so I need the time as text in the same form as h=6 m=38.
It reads h=6 m=41
